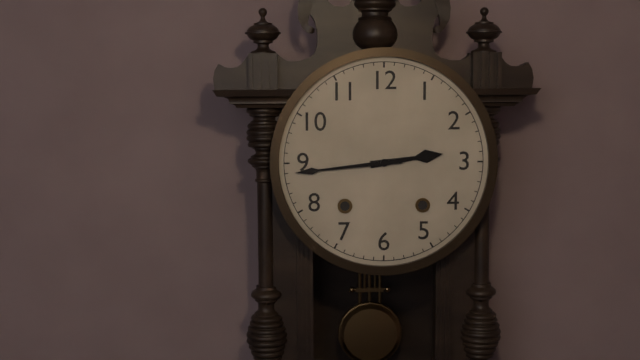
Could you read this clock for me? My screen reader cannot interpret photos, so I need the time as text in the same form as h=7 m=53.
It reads h=2 m=44
